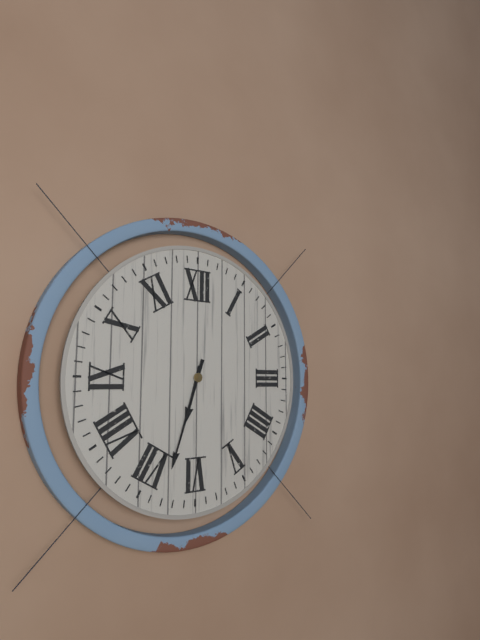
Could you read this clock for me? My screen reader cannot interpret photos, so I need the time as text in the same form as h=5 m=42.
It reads h=6 m=33
